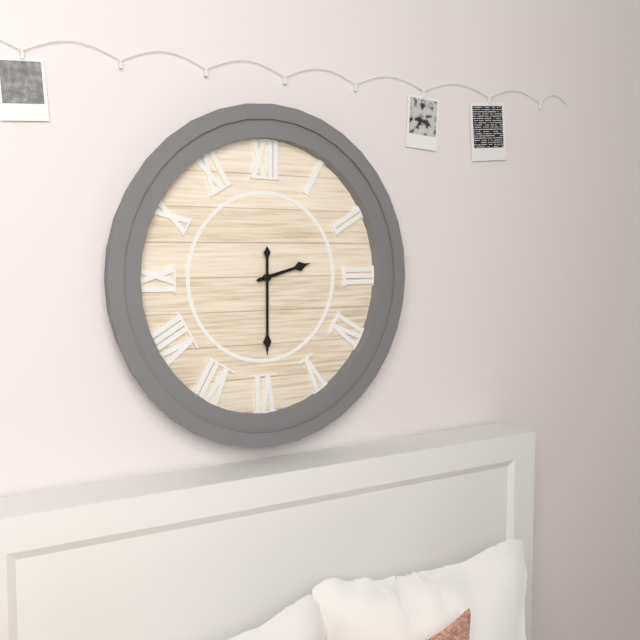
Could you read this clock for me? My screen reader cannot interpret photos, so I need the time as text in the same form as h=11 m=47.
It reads h=2 m=30
